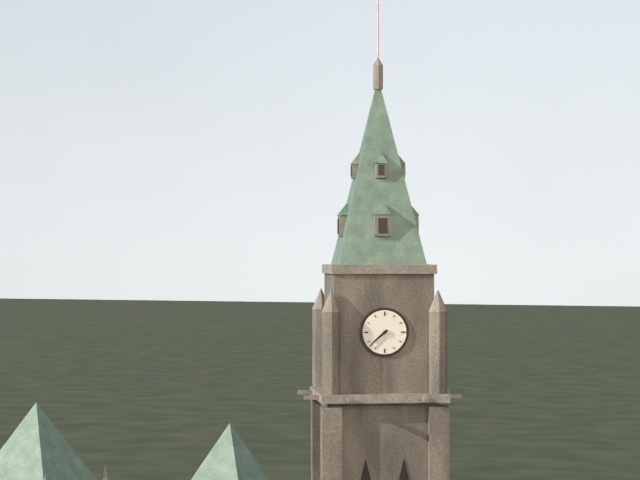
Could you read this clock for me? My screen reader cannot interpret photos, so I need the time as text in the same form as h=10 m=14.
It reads h=7 m=38
